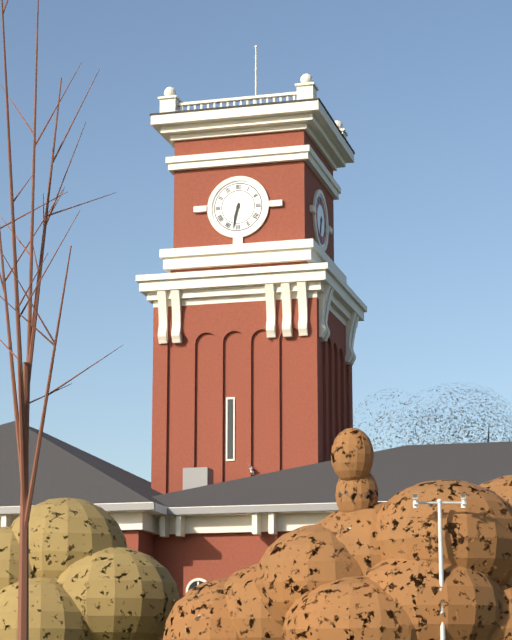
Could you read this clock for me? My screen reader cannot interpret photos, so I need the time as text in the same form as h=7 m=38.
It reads h=6 m=32
